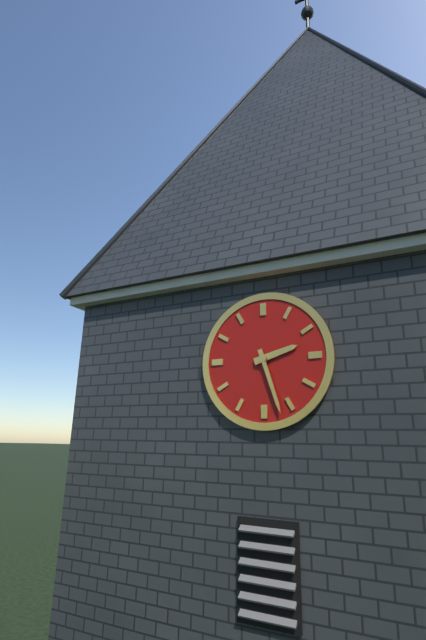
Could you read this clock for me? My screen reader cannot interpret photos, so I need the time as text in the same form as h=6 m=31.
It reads h=2 m=27
